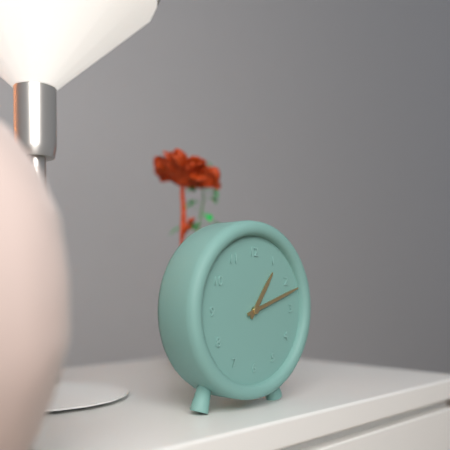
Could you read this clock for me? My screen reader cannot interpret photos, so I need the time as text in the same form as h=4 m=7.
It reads h=1 m=12
